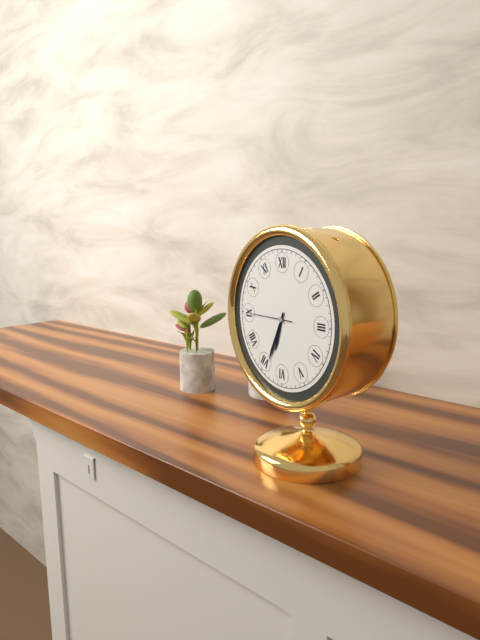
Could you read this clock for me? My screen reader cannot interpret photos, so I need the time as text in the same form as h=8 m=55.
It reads h=6 m=34
